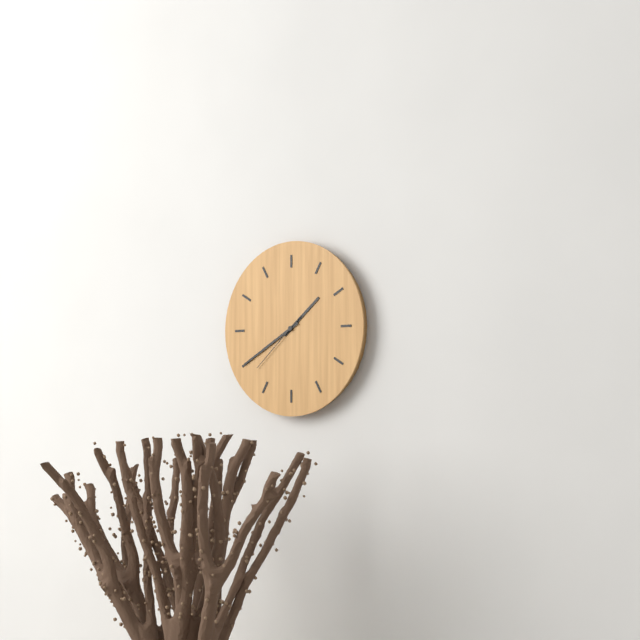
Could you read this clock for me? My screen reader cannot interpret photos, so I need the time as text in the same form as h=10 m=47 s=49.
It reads h=1 m=40 s=38
